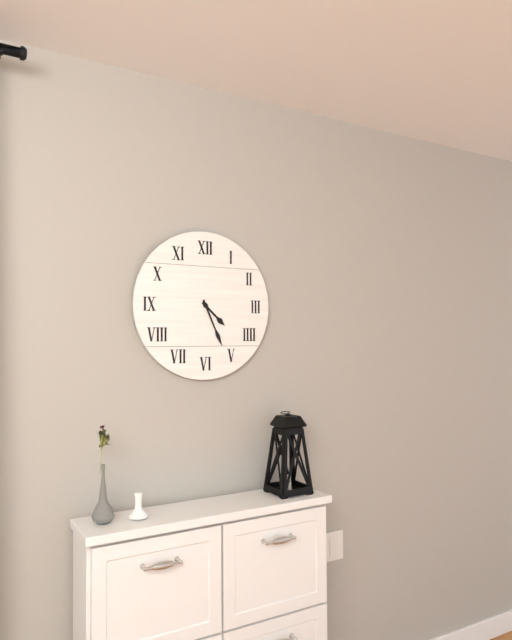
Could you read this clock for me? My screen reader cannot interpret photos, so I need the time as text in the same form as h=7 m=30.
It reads h=4 m=26
